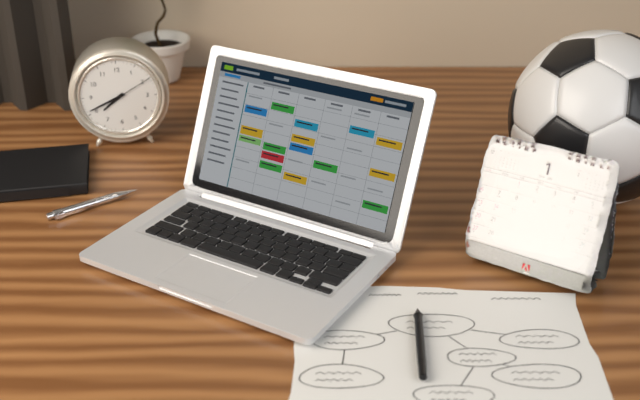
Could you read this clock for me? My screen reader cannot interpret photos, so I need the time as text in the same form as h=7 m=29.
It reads h=7 m=41
